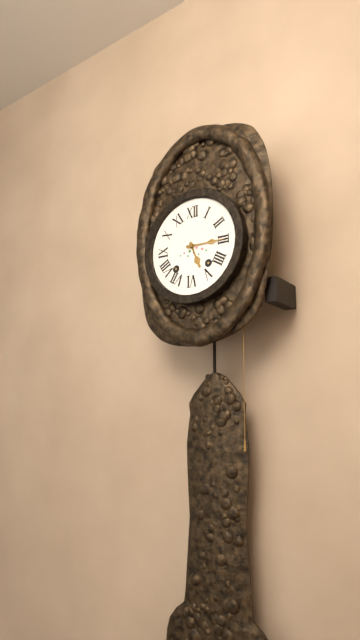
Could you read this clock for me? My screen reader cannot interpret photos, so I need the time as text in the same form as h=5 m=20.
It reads h=5 m=15
